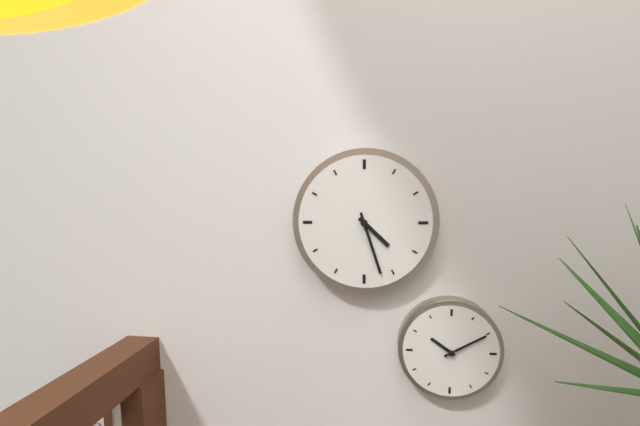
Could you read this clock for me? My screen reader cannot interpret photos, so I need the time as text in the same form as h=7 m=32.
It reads h=4 m=27
